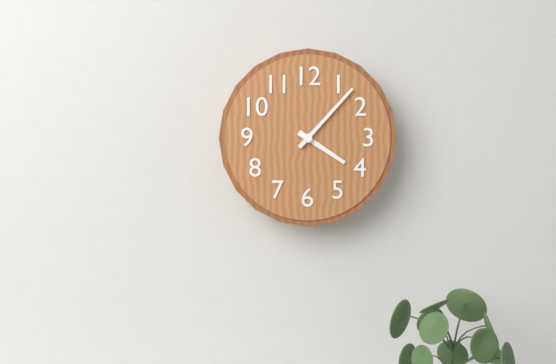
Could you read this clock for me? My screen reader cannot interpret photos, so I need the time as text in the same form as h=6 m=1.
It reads h=4 m=7
